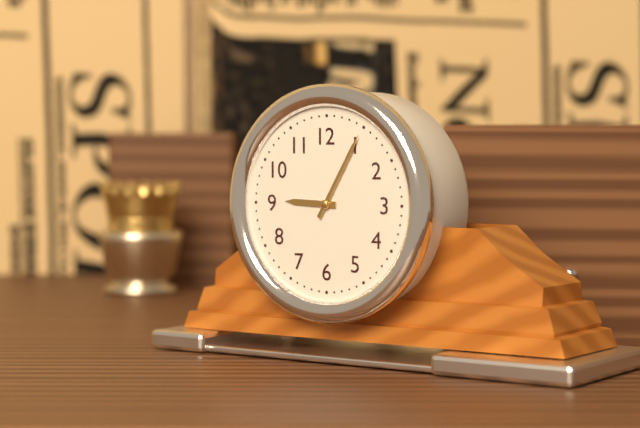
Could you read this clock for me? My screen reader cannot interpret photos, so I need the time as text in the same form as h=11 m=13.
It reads h=9 m=5
